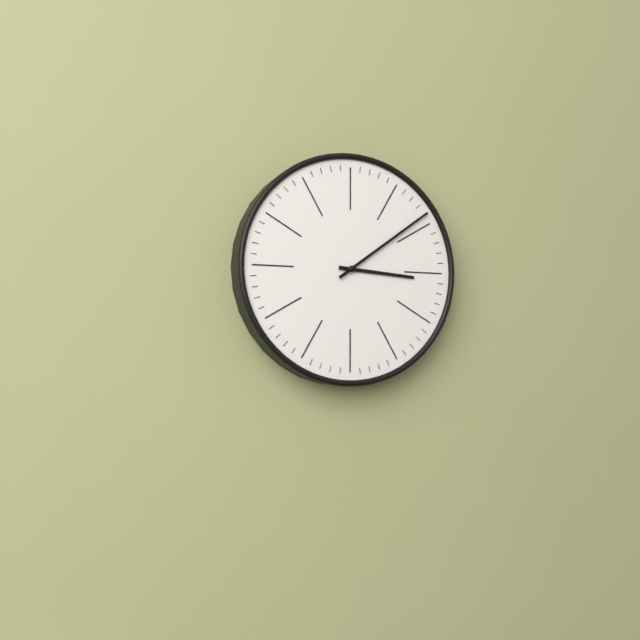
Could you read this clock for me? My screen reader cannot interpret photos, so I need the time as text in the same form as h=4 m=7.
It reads h=3 m=9
